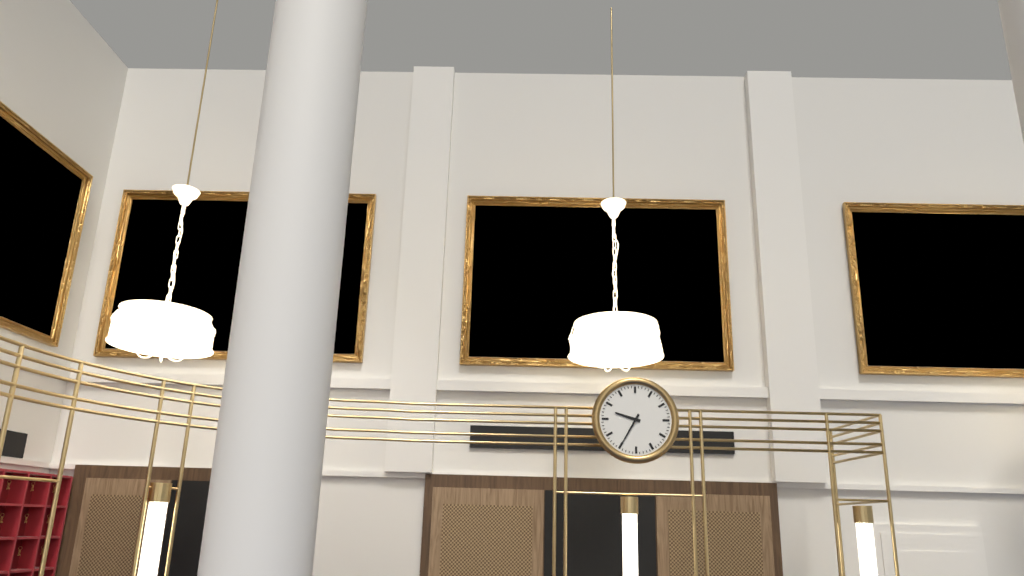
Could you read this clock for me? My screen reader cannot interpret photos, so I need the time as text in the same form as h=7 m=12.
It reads h=9 m=35
